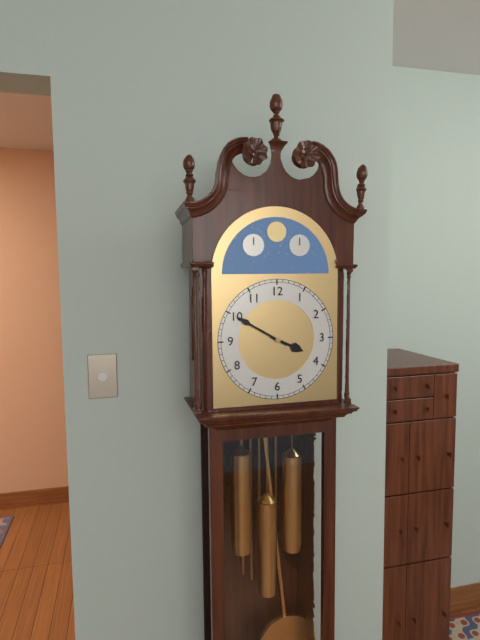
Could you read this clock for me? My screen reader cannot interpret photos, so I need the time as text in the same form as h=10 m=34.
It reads h=3 m=50
